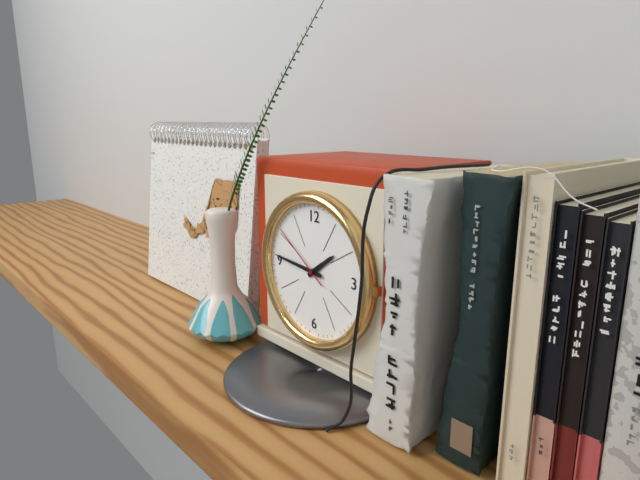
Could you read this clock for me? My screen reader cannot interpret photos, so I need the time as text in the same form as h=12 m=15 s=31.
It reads h=1 m=46 s=51
